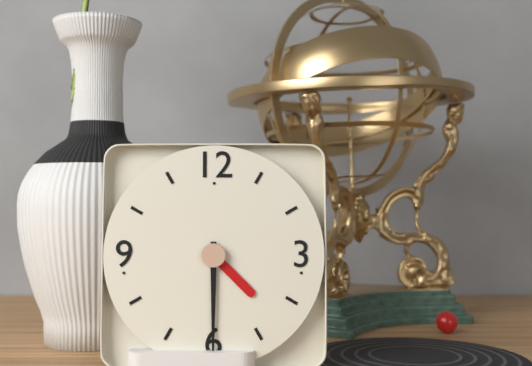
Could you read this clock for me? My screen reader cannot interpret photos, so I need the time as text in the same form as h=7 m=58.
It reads h=4 m=30
